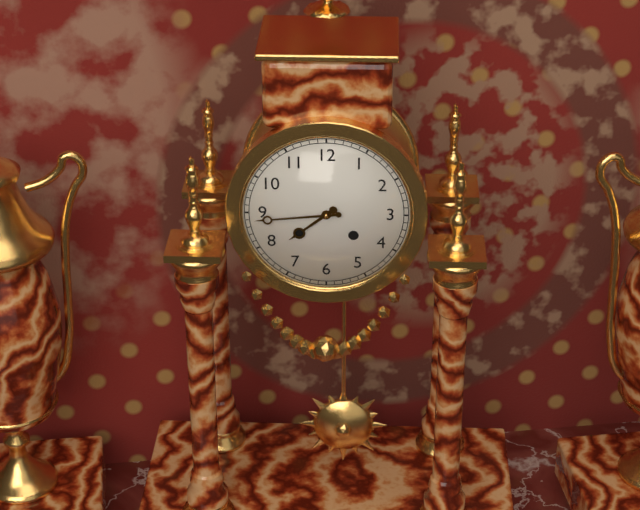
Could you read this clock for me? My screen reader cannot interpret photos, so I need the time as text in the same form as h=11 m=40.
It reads h=7 m=44
